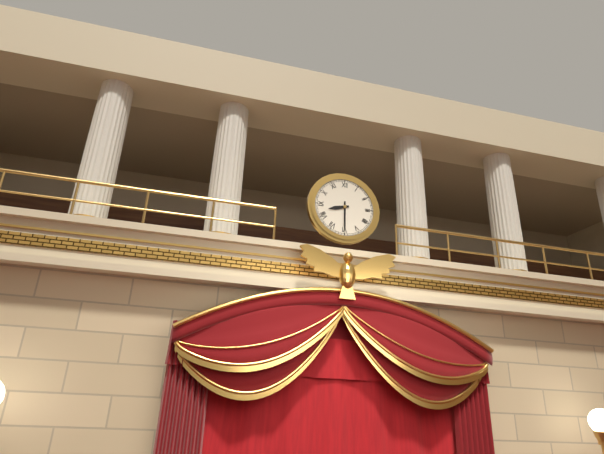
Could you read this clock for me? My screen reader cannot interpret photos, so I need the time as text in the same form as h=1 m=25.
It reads h=8 m=30
